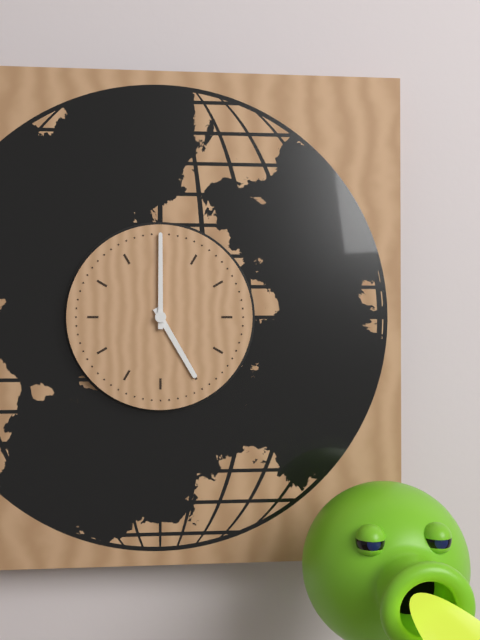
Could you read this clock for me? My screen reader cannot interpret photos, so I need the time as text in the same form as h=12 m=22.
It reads h=5 m=0
